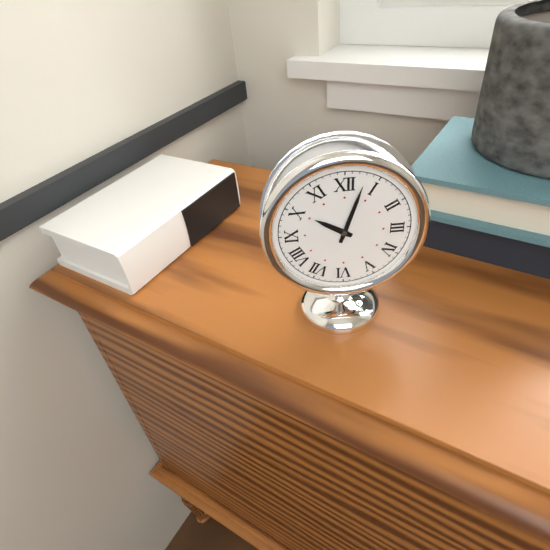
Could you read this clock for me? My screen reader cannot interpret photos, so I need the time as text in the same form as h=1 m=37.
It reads h=10 m=3
